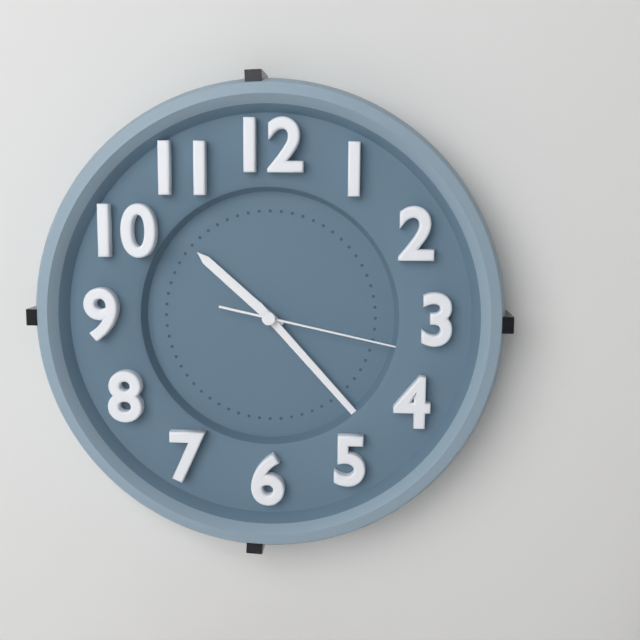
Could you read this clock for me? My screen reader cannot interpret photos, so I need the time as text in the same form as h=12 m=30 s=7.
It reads h=10 m=23 s=17
